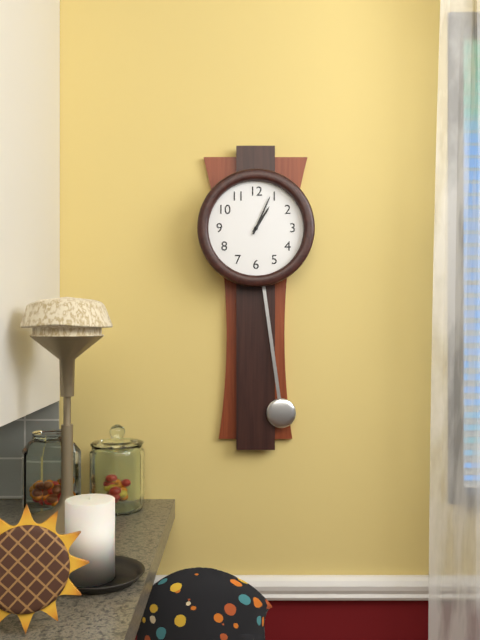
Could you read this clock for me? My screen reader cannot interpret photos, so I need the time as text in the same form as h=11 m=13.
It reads h=1 m=4
